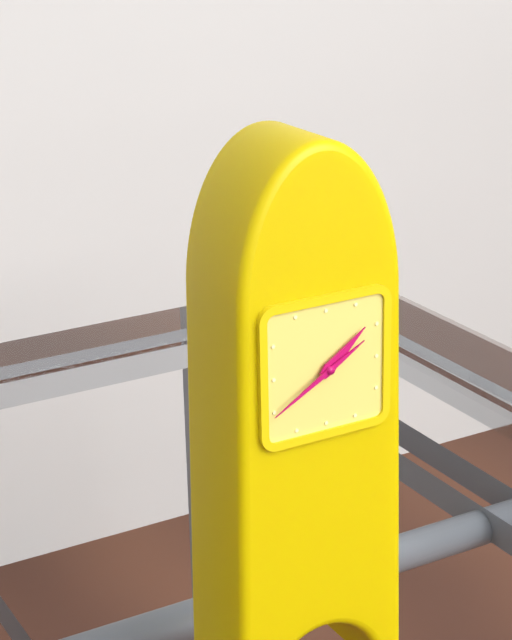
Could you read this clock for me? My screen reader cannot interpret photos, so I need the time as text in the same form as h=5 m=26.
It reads h=1 m=40
